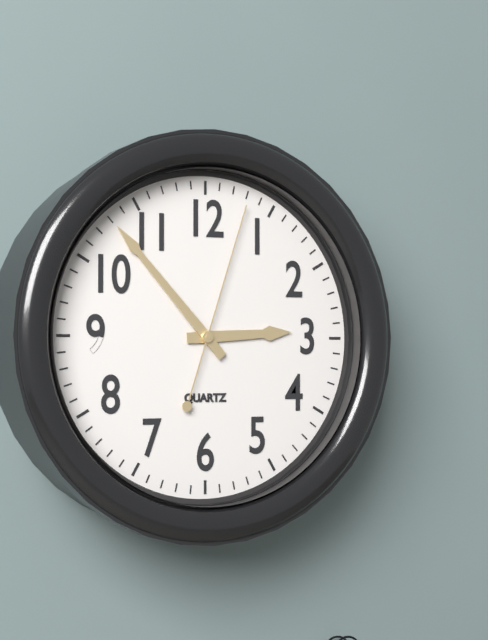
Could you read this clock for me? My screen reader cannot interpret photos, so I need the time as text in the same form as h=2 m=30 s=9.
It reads h=2 m=53 s=3
